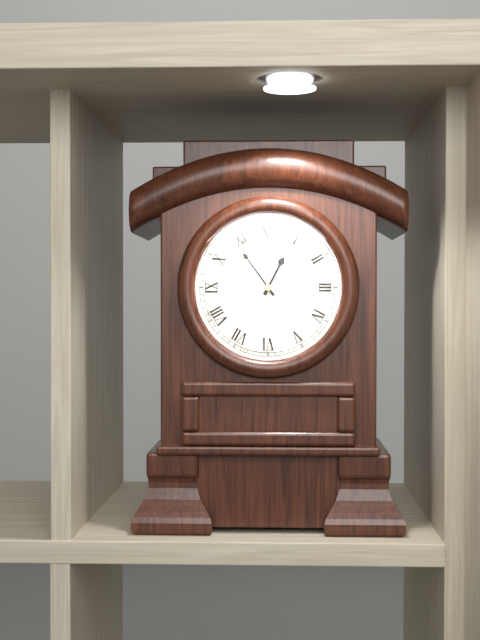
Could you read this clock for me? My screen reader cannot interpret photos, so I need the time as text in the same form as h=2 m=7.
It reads h=12 m=54
